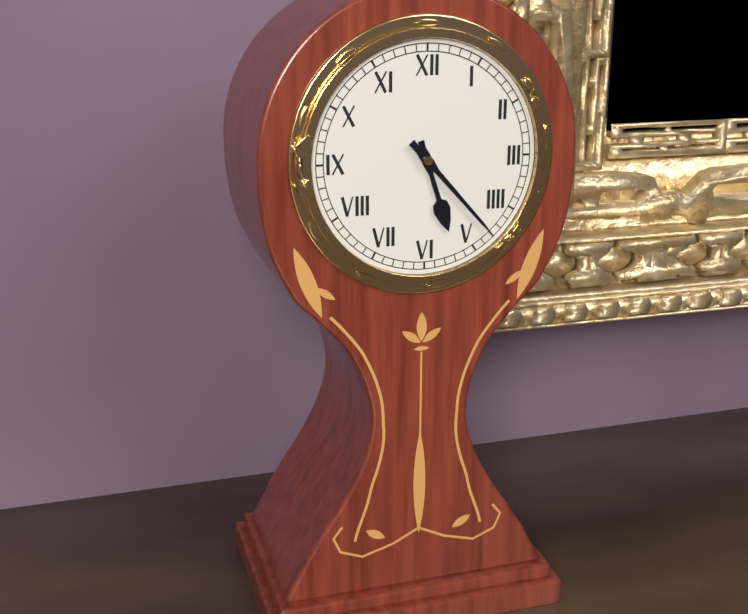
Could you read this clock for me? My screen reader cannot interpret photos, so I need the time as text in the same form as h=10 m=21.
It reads h=5 m=23
